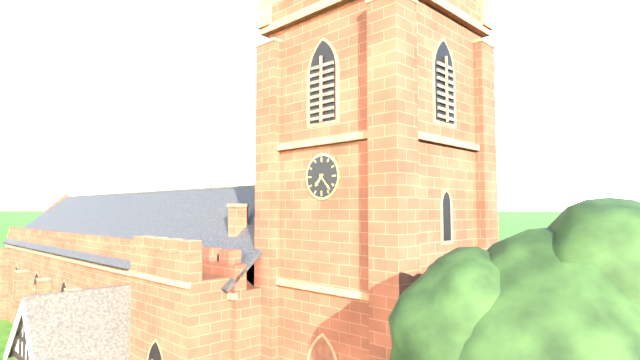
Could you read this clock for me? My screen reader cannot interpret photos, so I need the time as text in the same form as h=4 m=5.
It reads h=7 m=23
